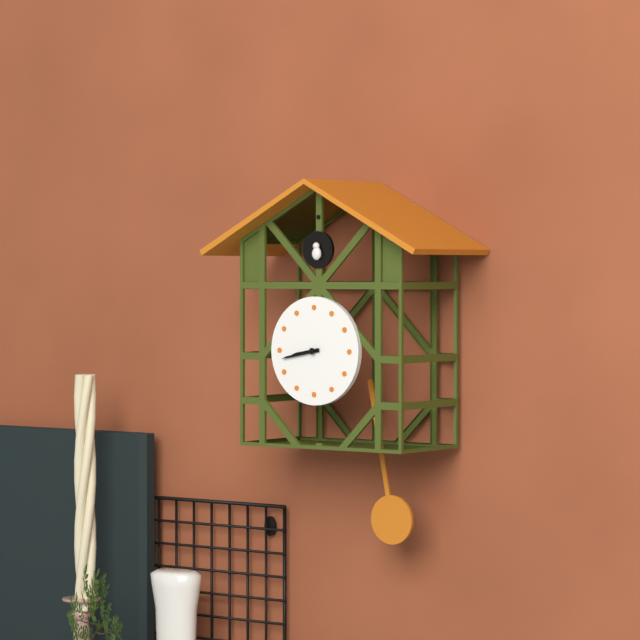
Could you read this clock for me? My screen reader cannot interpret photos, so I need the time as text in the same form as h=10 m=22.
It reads h=8 m=43
